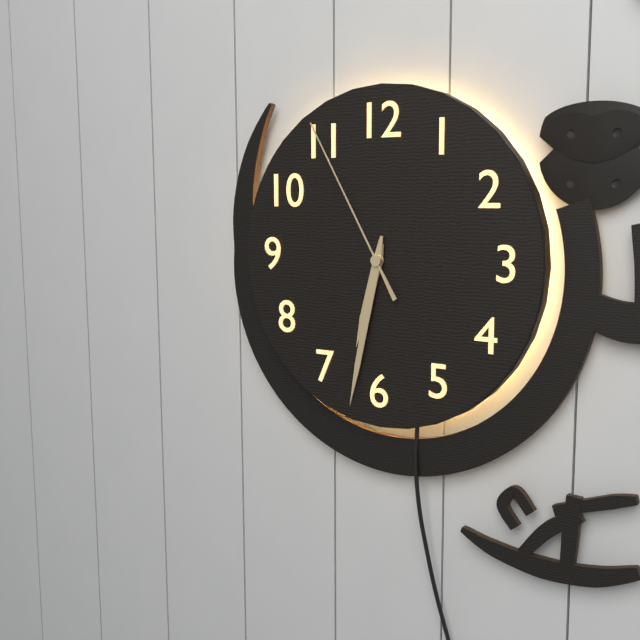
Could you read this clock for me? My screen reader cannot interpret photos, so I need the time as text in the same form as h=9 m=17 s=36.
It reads h=6 m=32 s=55
